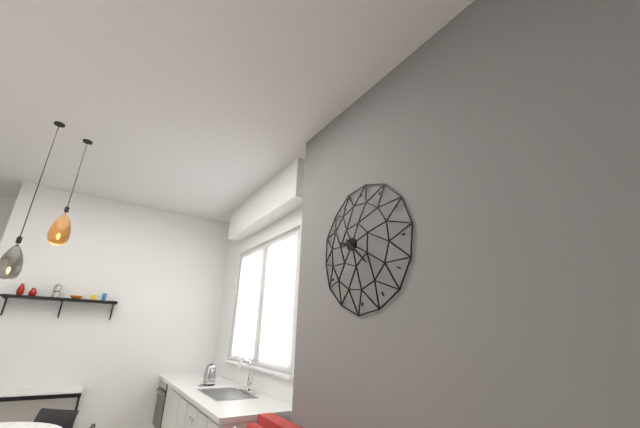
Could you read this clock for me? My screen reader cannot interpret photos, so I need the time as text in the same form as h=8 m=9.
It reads h=9 m=22
